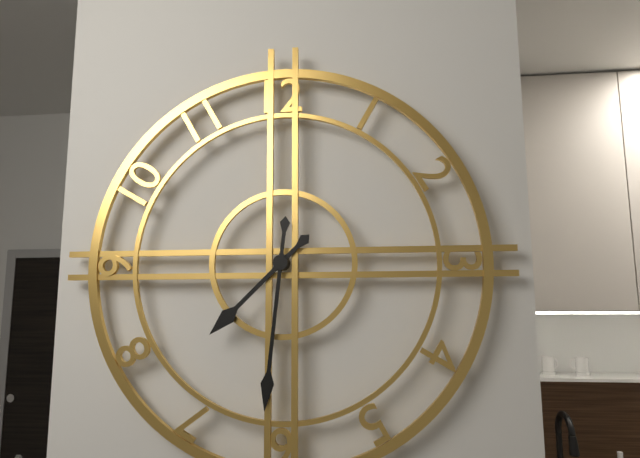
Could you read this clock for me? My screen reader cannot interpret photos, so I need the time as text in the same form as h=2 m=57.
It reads h=7 m=31
